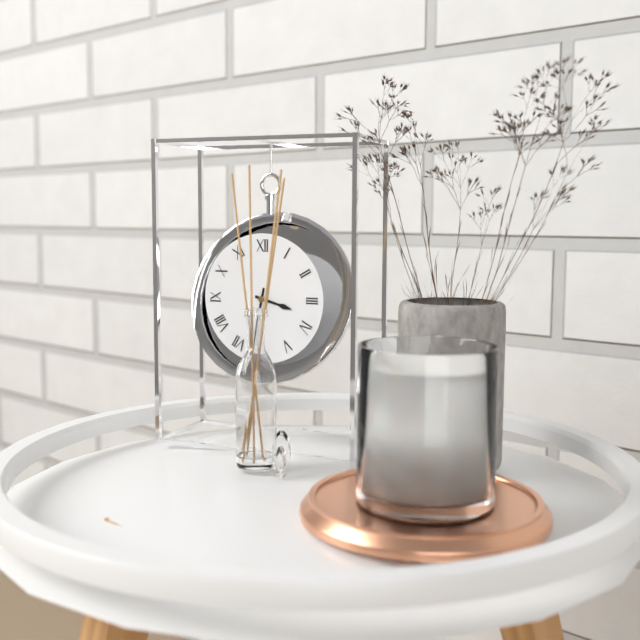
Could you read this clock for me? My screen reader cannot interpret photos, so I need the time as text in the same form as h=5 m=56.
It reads h=3 m=32
